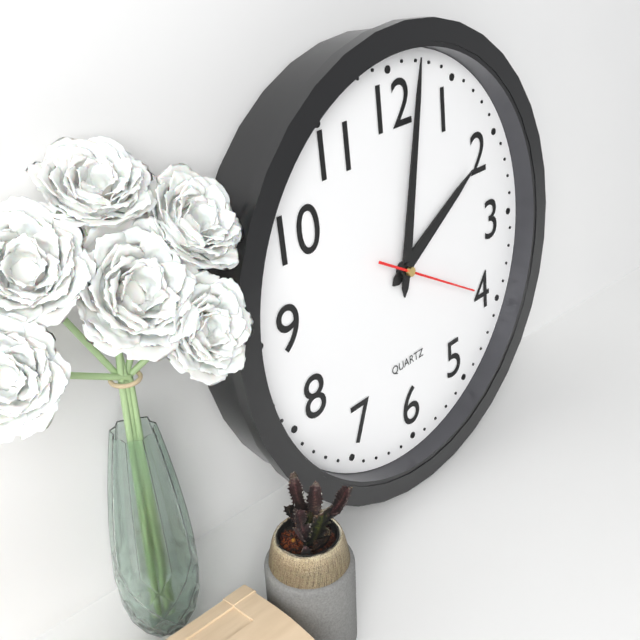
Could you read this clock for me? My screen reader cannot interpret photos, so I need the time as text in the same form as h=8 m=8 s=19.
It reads h=2 m=2 s=20
